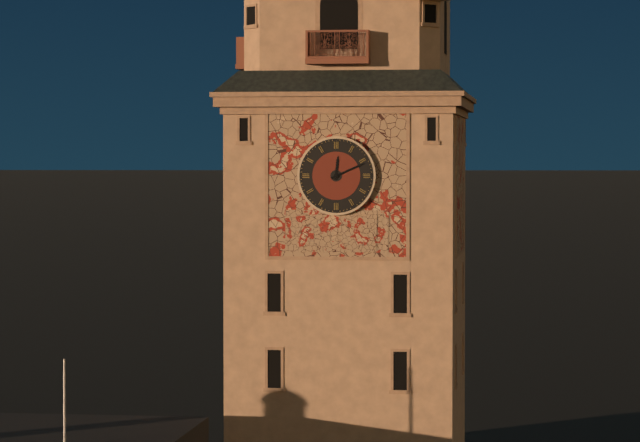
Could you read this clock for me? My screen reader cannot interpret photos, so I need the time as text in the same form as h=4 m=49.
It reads h=12 m=11
